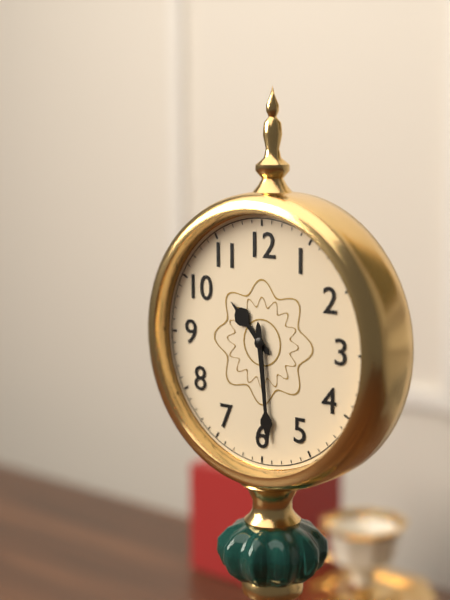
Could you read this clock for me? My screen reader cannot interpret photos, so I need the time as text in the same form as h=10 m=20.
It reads h=10 m=29
